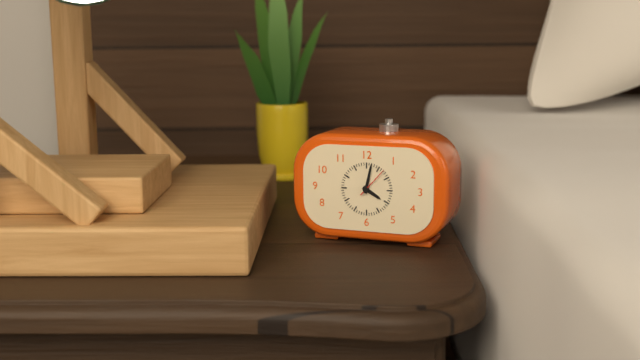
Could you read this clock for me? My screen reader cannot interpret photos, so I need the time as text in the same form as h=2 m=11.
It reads h=4 m=2
